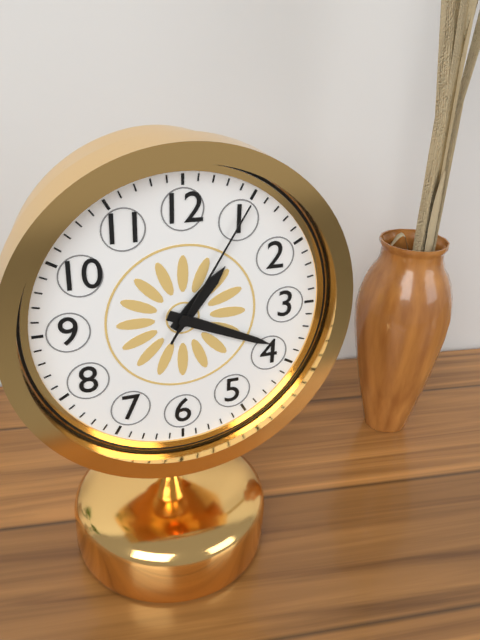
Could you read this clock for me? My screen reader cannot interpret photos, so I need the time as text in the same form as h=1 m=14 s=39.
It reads h=1 m=19 s=5
